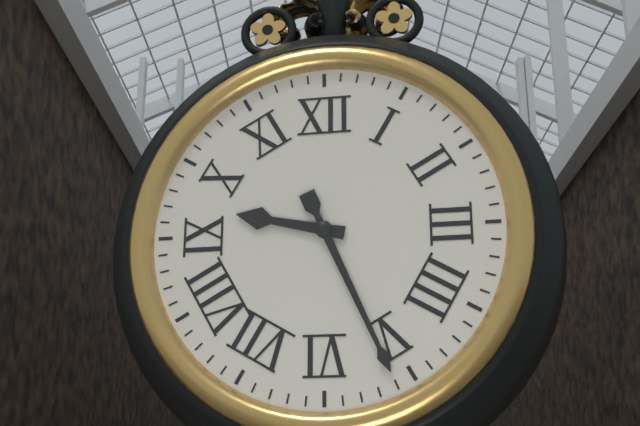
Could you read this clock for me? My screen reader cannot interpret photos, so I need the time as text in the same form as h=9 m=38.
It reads h=9 m=26
